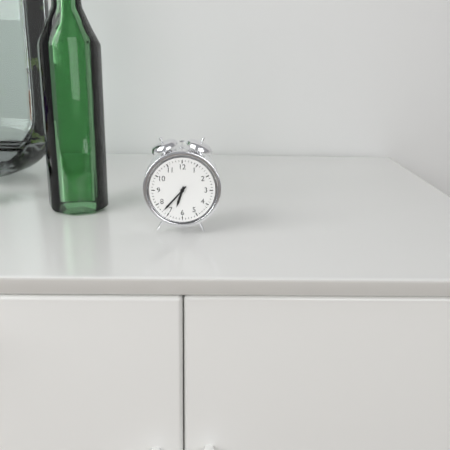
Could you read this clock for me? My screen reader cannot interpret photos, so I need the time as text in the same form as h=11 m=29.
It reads h=6 m=37
